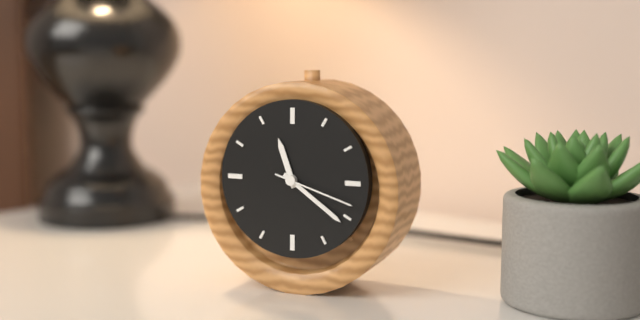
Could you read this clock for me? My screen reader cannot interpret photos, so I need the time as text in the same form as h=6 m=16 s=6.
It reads h=11 m=21 s=18
